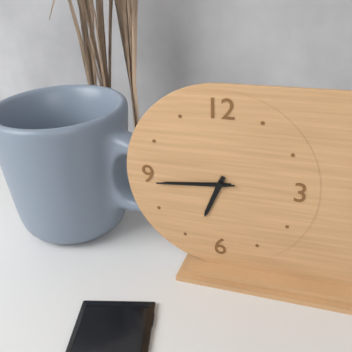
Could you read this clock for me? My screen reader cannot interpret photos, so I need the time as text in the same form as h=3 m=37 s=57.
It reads h=6 m=44 s=44
